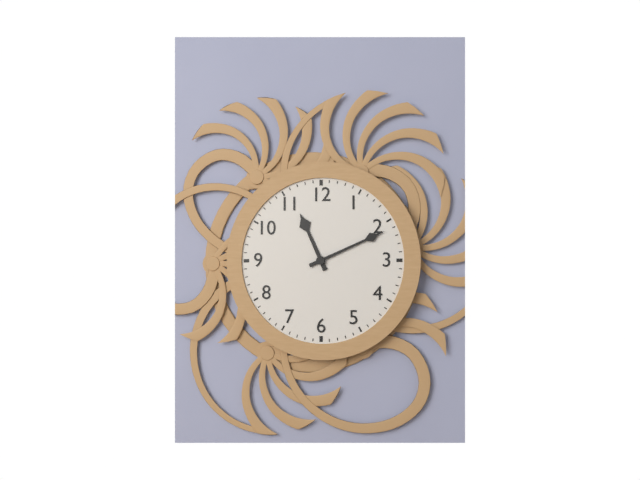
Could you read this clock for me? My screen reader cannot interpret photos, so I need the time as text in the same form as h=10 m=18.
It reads h=11 m=11
